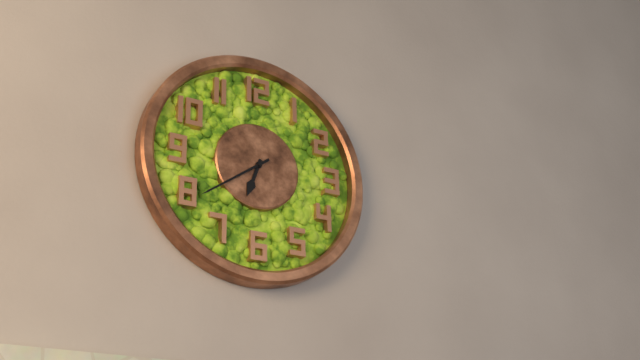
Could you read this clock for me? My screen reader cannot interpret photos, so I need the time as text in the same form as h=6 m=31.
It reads h=6 m=39
